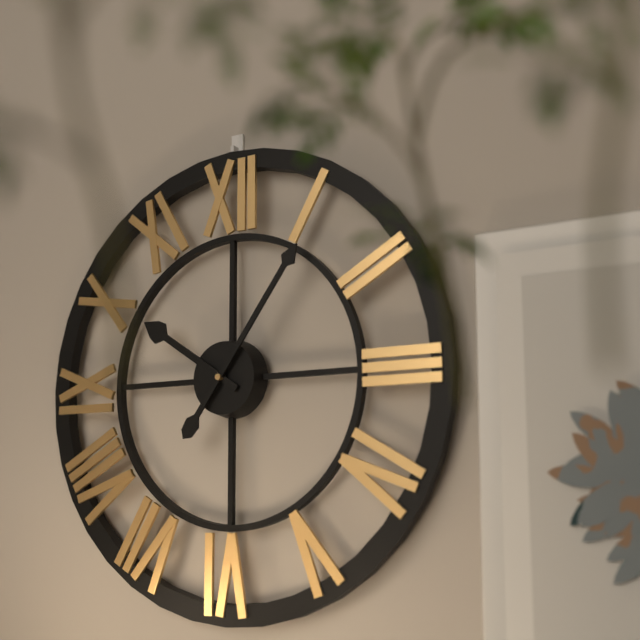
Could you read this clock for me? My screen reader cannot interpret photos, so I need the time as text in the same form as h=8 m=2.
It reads h=10 m=6
